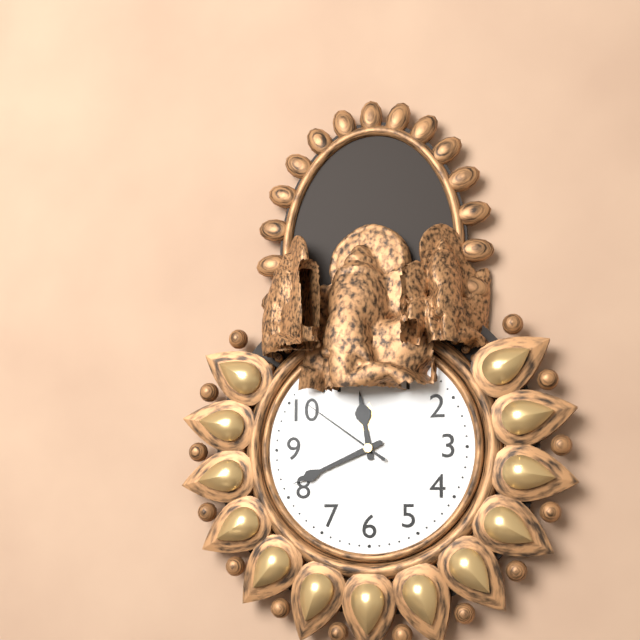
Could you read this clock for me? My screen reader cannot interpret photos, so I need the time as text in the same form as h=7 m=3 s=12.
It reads h=11 m=41 s=51
